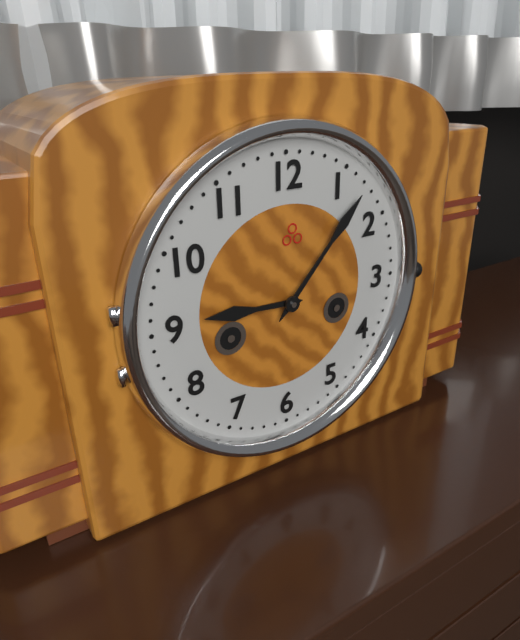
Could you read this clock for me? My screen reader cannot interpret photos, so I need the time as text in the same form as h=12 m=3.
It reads h=9 m=7
